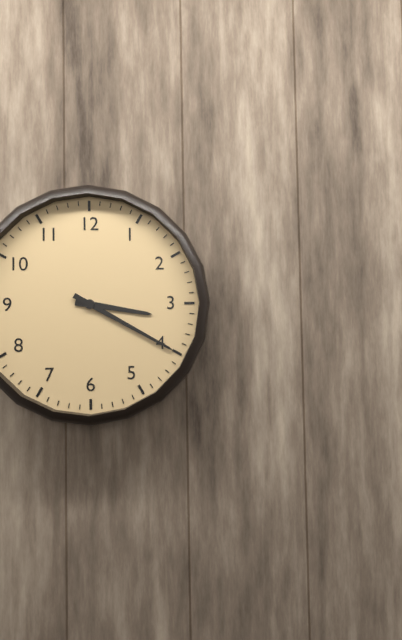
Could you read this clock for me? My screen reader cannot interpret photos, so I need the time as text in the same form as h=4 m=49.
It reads h=3 m=20
